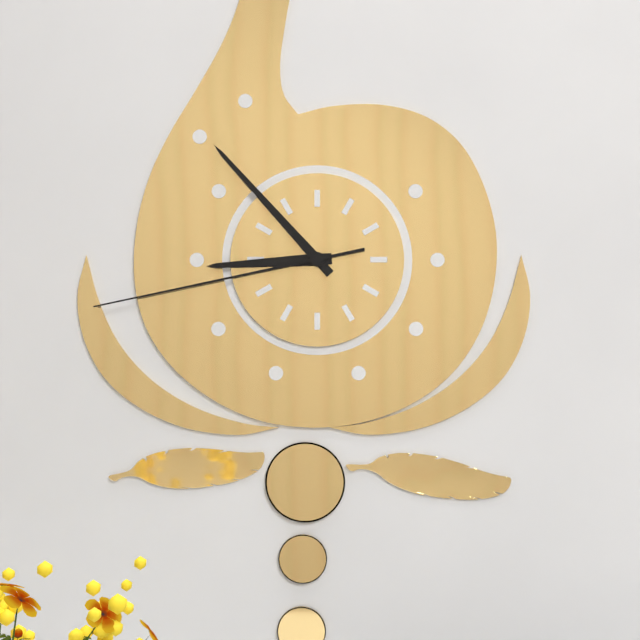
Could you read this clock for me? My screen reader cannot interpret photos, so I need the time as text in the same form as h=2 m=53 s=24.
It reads h=8 m=53 s=43
